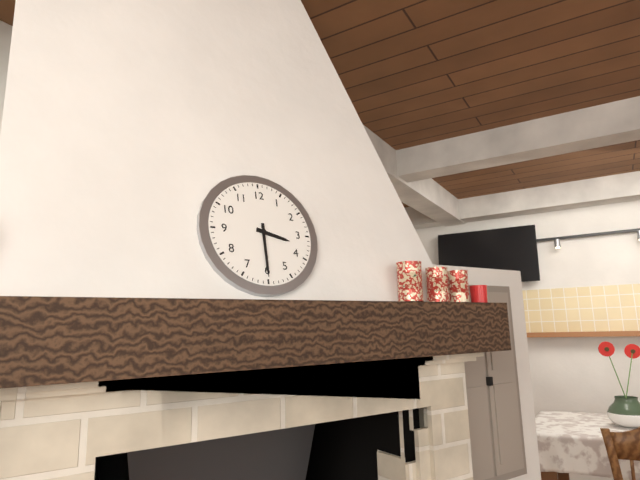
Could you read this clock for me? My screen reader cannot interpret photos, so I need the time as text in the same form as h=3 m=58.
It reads h=3 m=30
